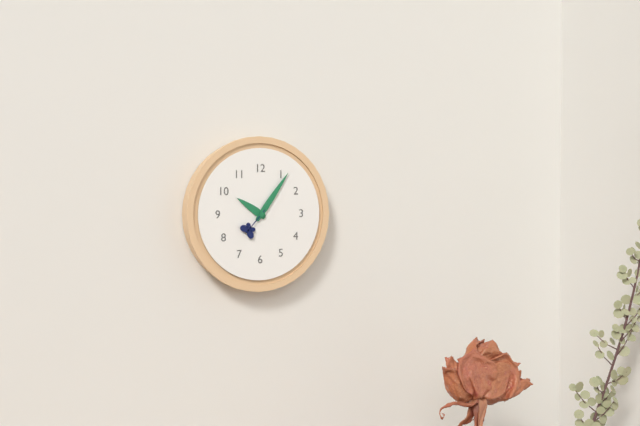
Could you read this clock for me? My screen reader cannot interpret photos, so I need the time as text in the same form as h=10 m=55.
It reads h=10 m=6
